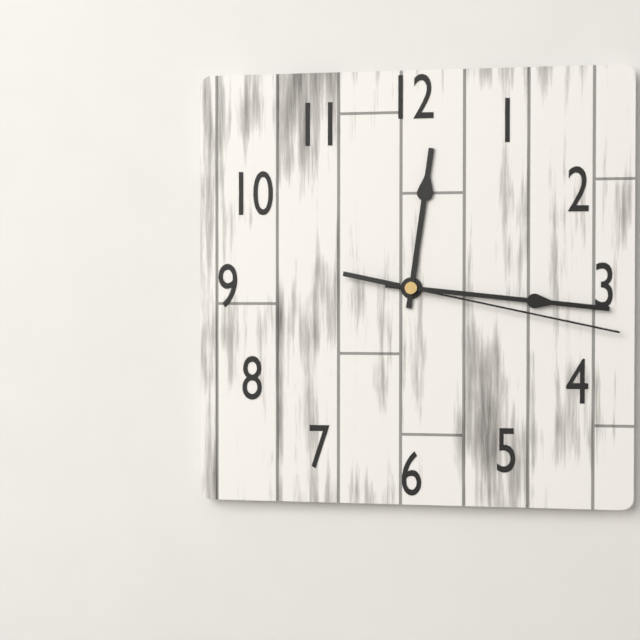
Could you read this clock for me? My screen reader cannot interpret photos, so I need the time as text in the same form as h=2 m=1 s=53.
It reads h=12 m=16 s=17
